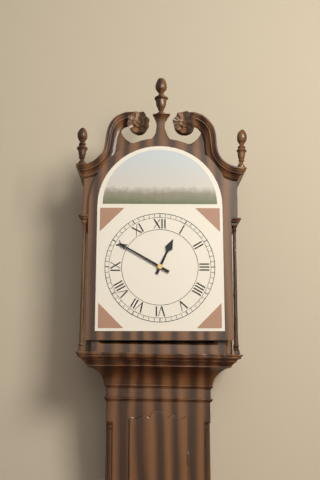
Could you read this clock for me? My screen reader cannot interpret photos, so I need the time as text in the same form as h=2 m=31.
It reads h=12 m=50
